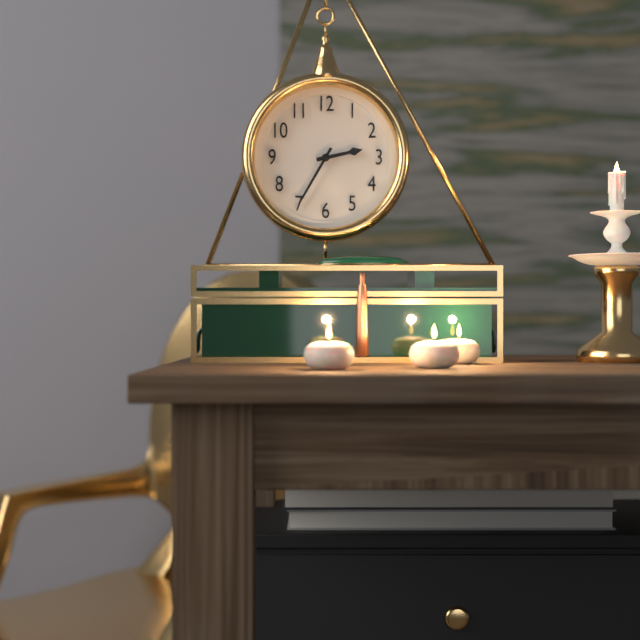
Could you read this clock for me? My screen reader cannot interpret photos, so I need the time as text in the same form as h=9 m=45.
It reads h=2 m=35
